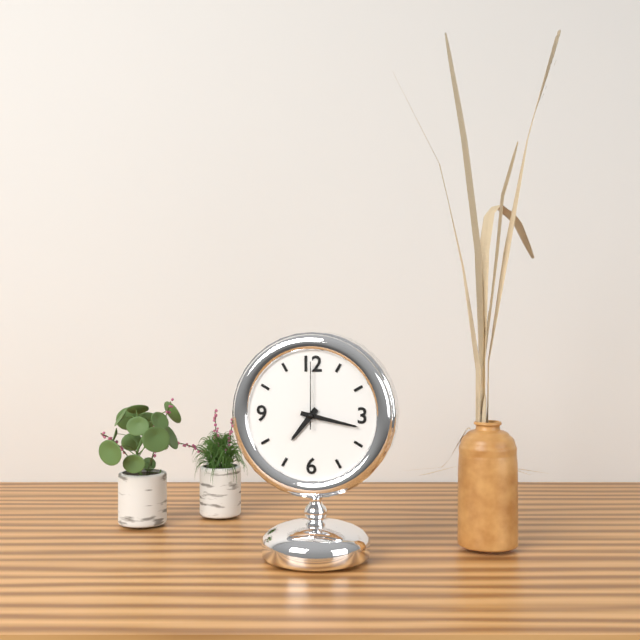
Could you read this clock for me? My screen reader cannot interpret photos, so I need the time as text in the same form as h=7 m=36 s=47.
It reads h=7 m=17 s=0
